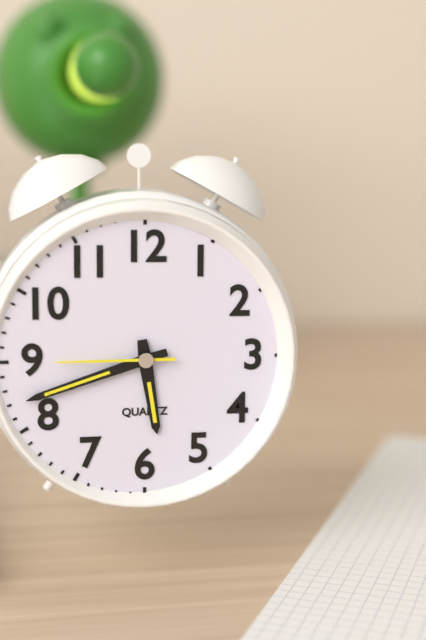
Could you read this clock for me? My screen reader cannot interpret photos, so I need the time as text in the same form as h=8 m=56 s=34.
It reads h=5 m=42 s=45
